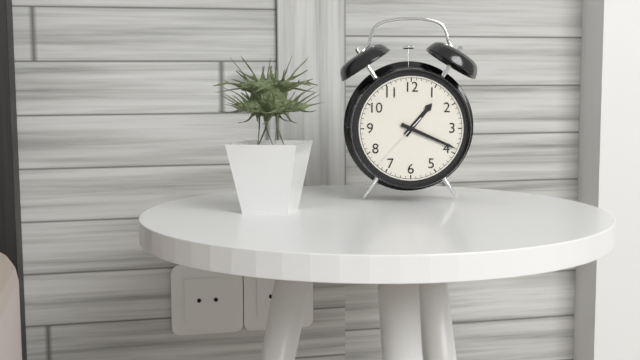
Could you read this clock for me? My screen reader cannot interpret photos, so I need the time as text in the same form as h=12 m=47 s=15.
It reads h=1 m=19 s=37
